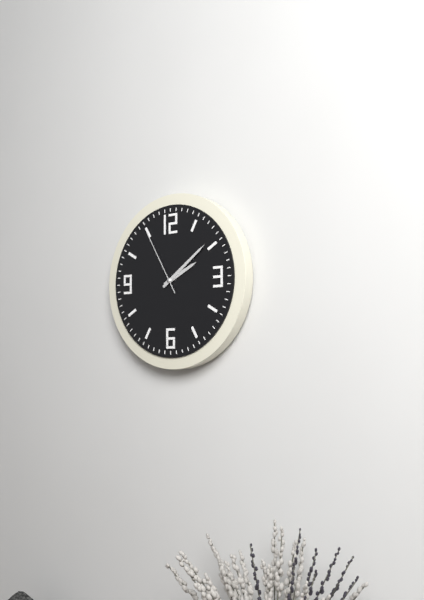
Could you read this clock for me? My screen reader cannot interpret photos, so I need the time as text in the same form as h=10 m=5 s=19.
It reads h=2 m=9 s=55
